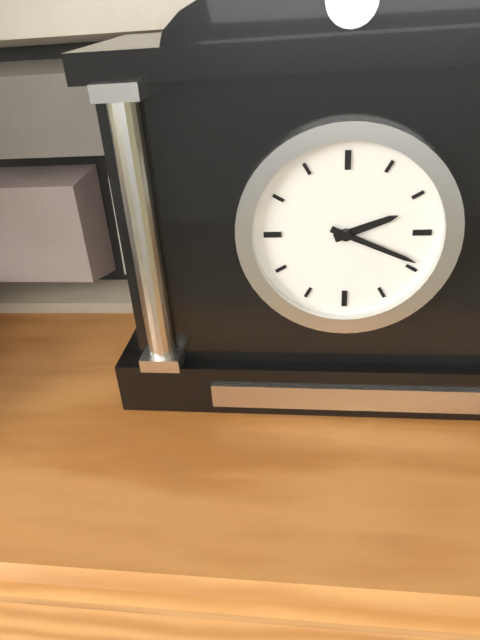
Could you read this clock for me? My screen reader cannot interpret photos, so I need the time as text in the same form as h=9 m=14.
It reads h=2 m=19
